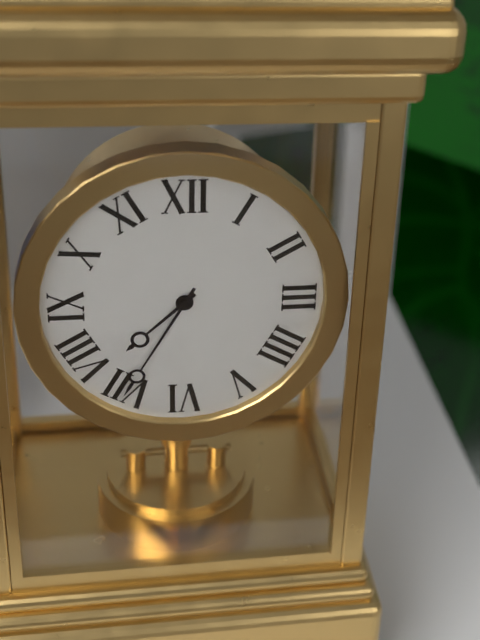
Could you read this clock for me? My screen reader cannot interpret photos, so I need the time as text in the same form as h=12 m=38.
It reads h=7 m=35
